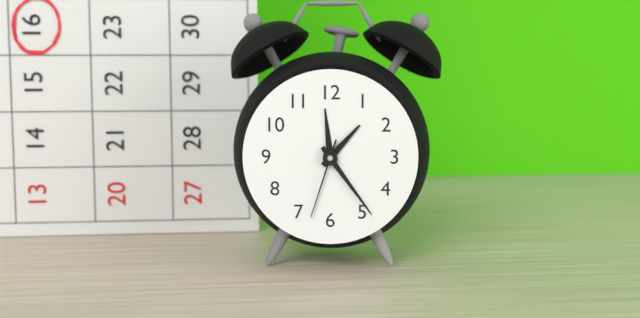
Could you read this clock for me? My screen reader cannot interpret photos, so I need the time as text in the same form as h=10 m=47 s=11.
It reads h=1 m=24 s=33
